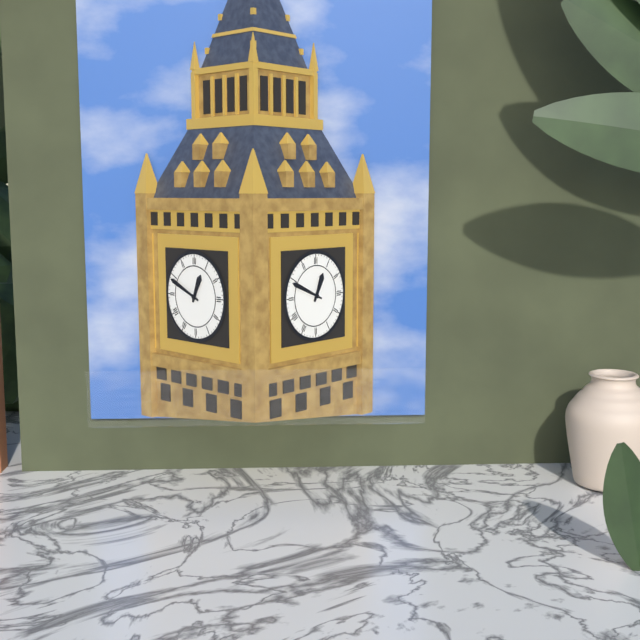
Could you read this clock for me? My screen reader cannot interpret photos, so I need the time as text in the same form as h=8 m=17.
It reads h=12 m=49
